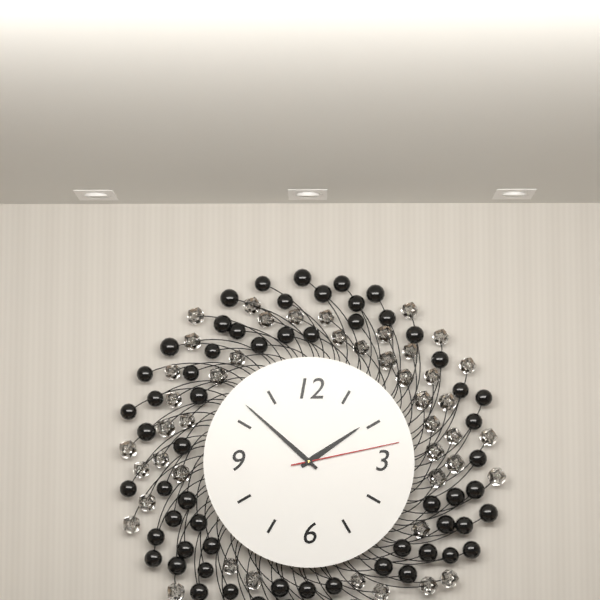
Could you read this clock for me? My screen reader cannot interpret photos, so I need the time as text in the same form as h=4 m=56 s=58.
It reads h=1 m=52 s=13
